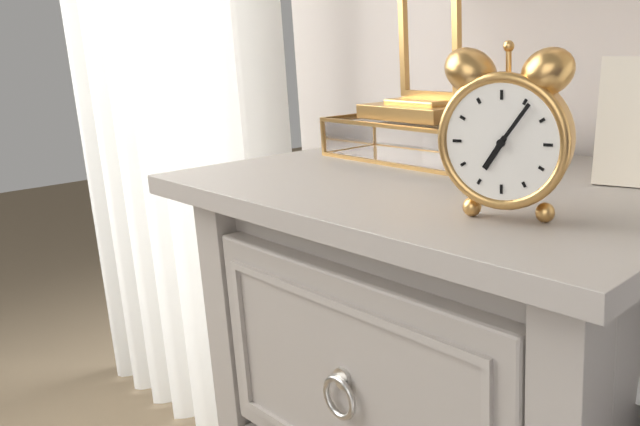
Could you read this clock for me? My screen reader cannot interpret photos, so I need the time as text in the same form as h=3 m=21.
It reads h=7 m=6
